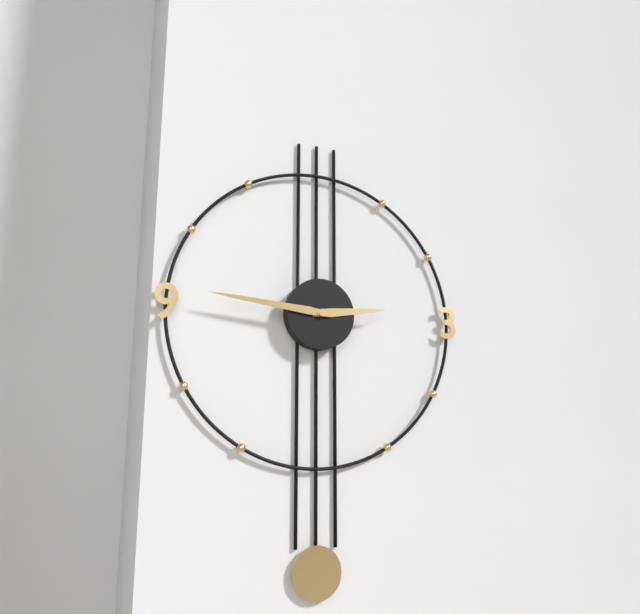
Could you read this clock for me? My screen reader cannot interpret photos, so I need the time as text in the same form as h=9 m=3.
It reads h=2 m=46
